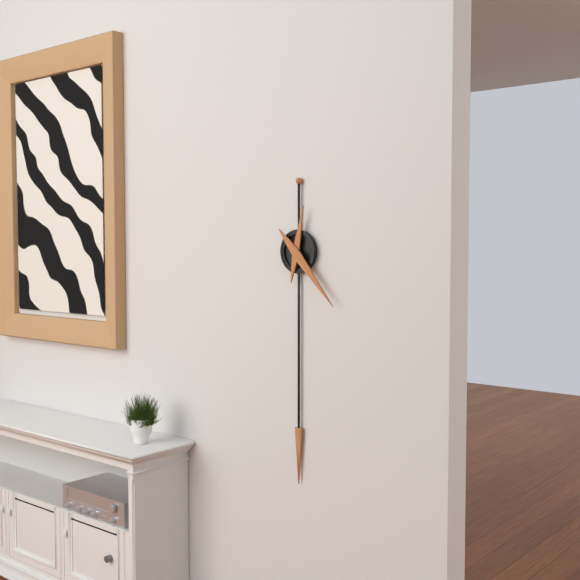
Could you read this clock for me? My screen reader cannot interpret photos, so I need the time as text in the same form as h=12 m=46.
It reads h=12 m=23
